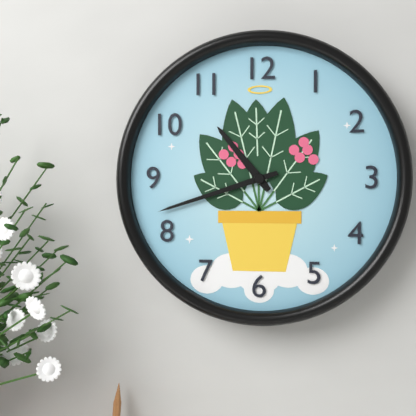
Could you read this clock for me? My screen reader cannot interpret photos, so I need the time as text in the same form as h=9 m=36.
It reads h=10 m=42
